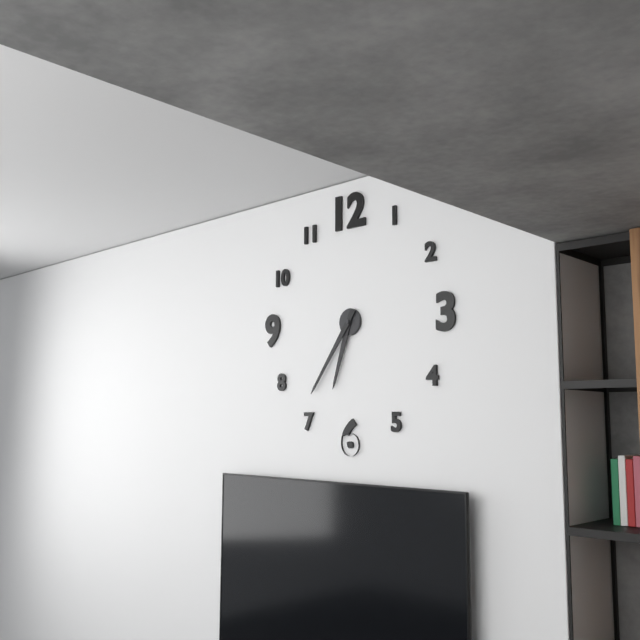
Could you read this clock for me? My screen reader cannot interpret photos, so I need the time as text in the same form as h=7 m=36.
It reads h=6 m=36
